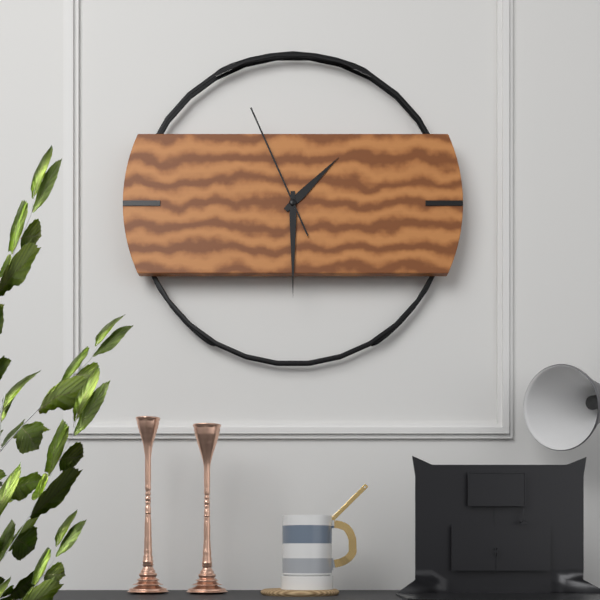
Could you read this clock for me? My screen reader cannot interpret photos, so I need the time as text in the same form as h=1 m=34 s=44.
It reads h=1 m=30 s=56
